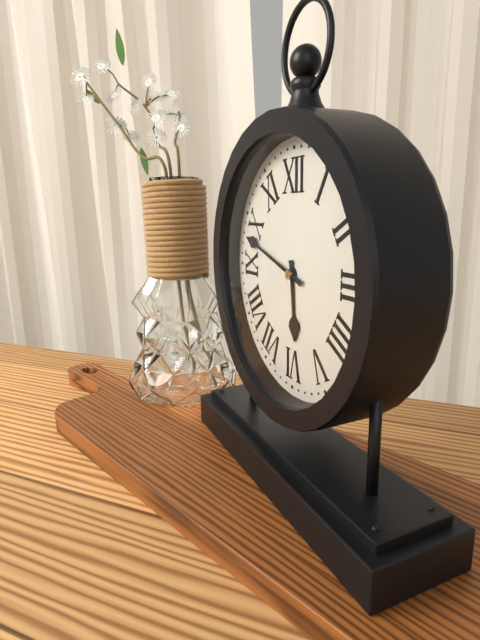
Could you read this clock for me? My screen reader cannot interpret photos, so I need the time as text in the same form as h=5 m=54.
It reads h=5 m=48
